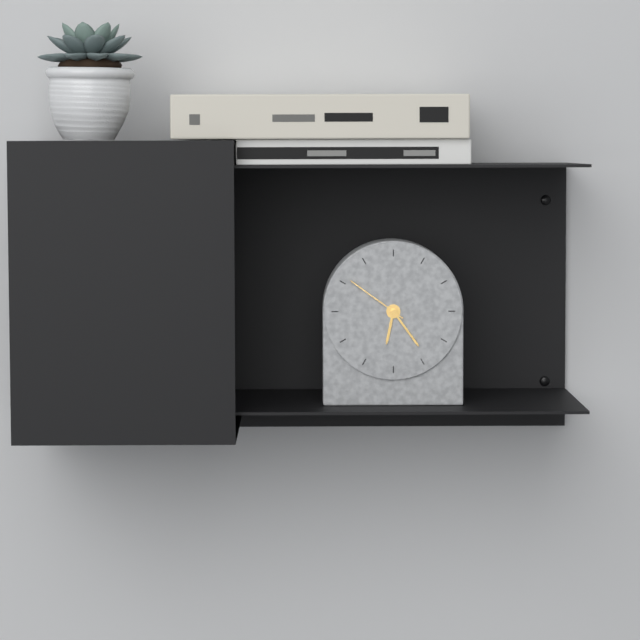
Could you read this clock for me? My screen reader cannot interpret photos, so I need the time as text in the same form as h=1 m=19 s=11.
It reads h=6 m=24 s=51
